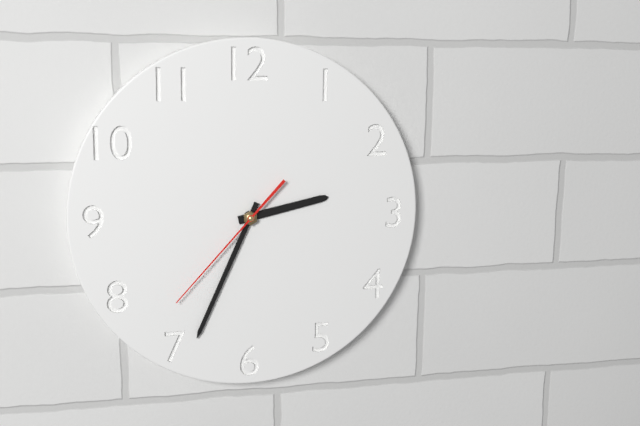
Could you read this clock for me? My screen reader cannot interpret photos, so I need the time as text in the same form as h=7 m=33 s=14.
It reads h=2 m=34 s=37
